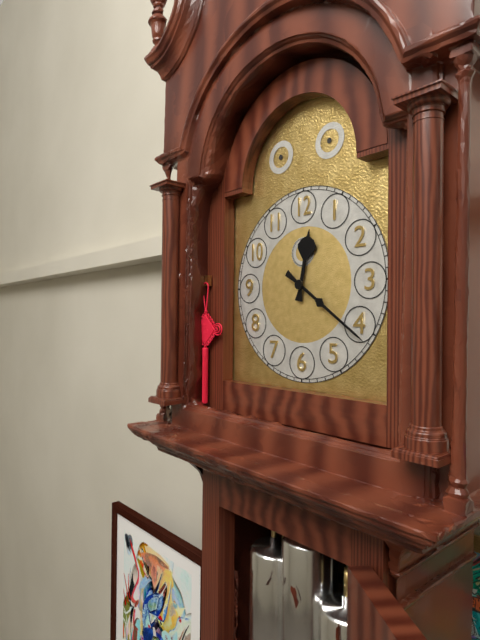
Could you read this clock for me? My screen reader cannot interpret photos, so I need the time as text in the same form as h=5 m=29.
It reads h=12 m=21
